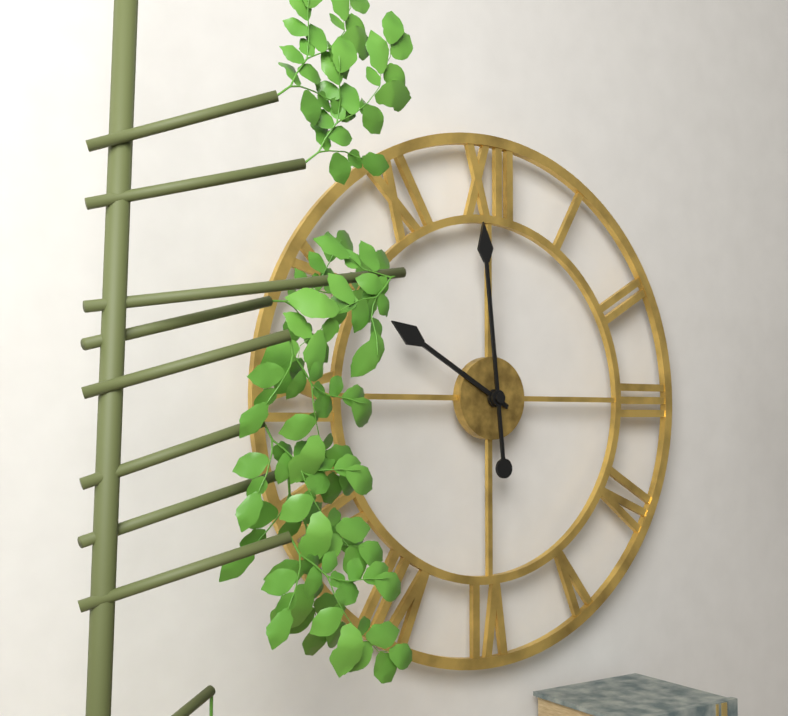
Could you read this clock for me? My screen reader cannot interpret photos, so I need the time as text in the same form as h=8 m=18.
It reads h=9 m=59
